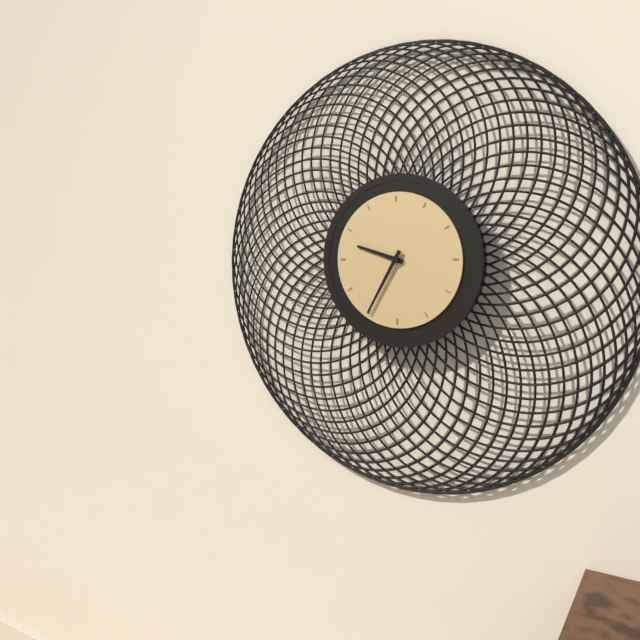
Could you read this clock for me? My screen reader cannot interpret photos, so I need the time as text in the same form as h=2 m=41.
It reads h=9 m=35
